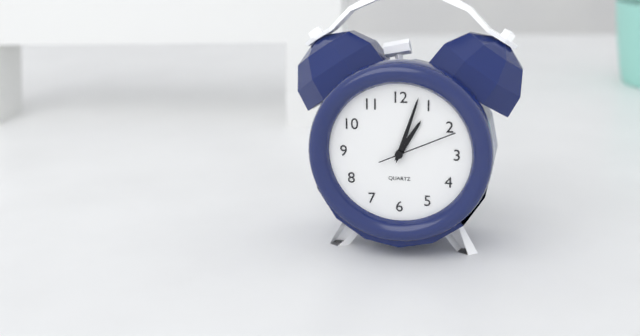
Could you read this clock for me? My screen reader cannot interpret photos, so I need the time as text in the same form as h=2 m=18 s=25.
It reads h=1 m=3 s=11
